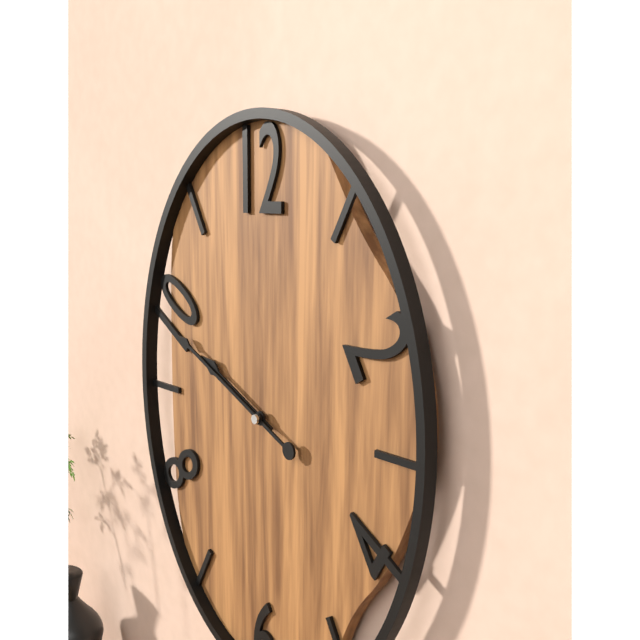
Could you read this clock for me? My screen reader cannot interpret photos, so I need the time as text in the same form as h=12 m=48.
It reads h=9 m=49
